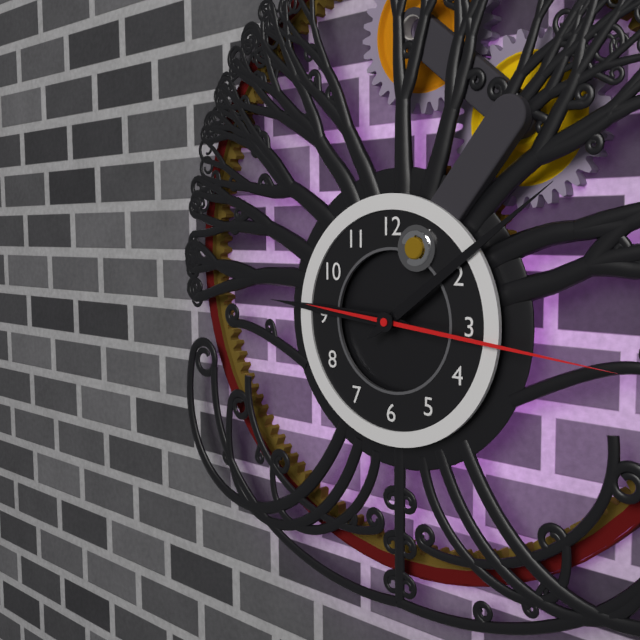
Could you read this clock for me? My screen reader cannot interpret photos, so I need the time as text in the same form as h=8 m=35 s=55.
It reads h=9 m=9 s=16
